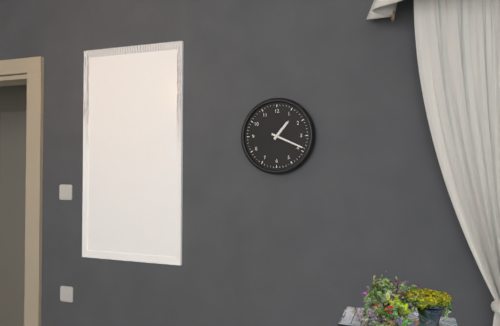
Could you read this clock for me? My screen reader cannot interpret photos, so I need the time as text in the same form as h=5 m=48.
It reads h=1 m=19
